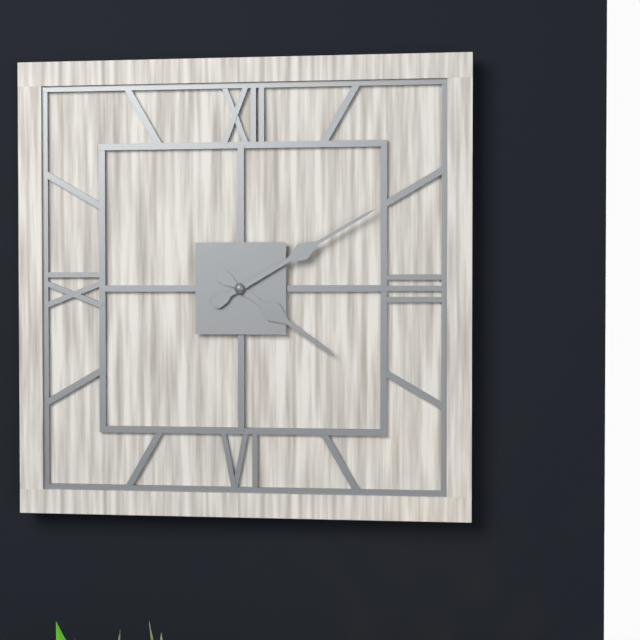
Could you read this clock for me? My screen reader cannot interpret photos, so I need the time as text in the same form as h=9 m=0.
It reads h=4 m=10
